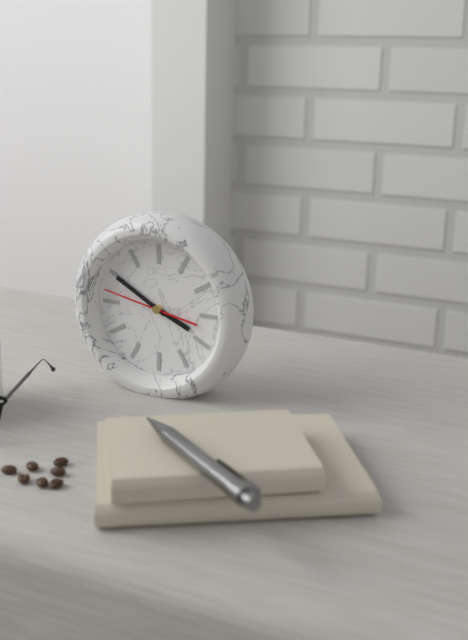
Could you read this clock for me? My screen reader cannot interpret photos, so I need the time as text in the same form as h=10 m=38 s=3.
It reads h=3 m=50 s=47
